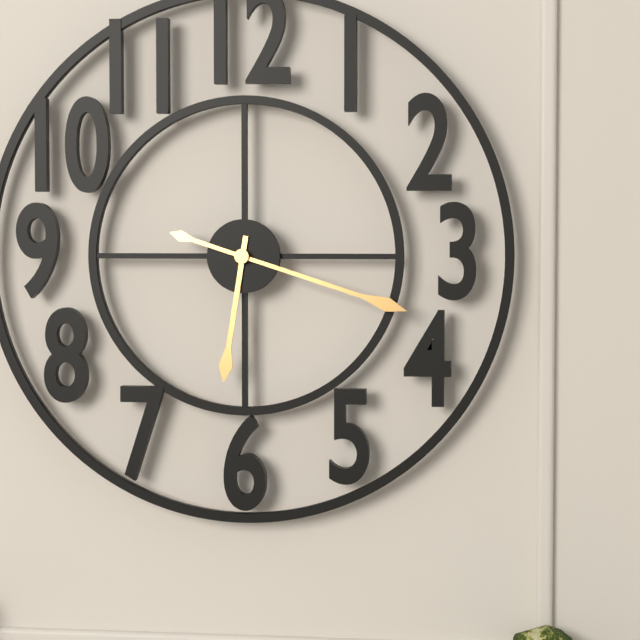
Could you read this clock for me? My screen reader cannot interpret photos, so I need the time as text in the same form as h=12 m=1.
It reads h=6 m=18
